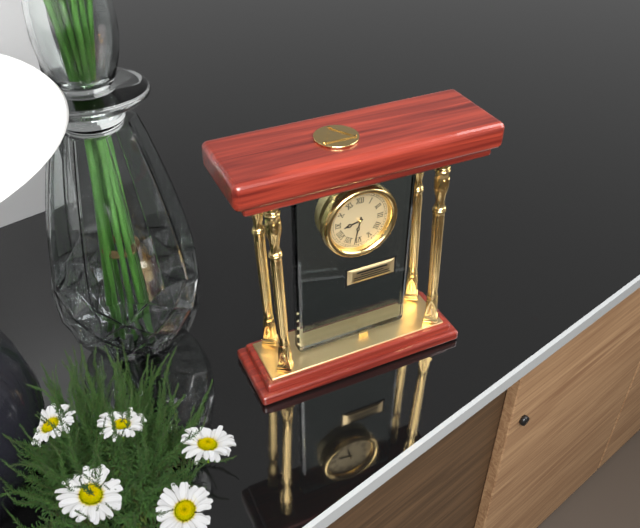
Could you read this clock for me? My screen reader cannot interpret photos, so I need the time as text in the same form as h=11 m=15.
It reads h=8 m=32
